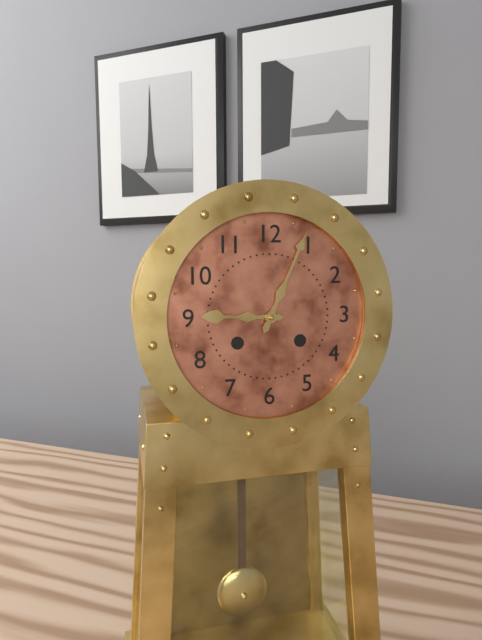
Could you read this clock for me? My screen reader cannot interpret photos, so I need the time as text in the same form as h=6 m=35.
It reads h=9 m=4
